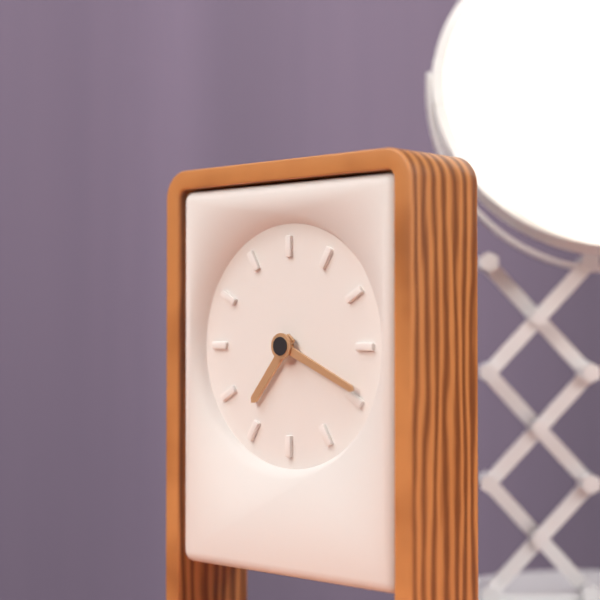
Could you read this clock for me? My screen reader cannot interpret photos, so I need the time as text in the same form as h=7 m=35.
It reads h=7 m=19
